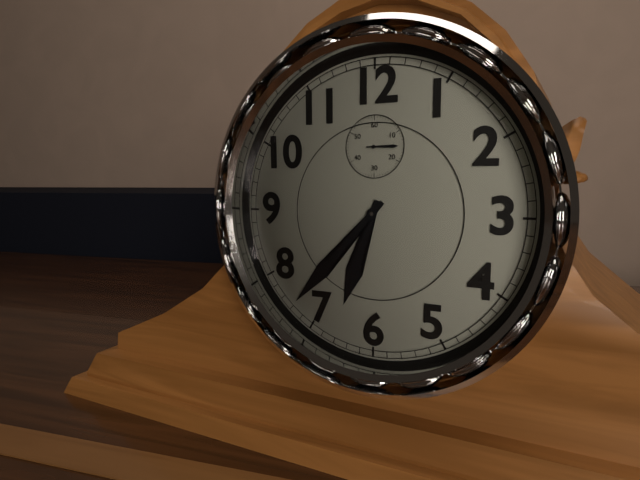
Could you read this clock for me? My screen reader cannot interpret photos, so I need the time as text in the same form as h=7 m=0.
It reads h=6 m=37
